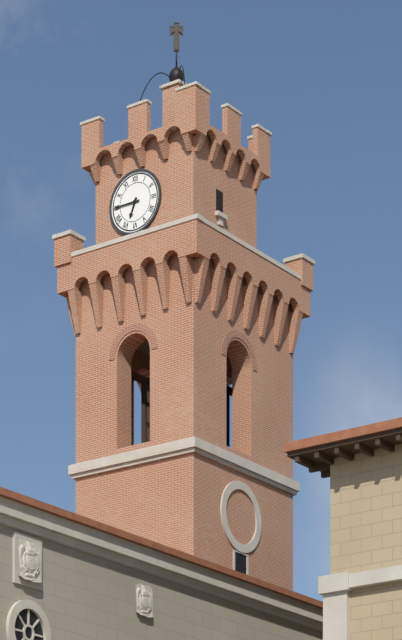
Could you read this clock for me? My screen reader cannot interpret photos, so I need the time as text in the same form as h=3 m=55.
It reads h=6 m=45
